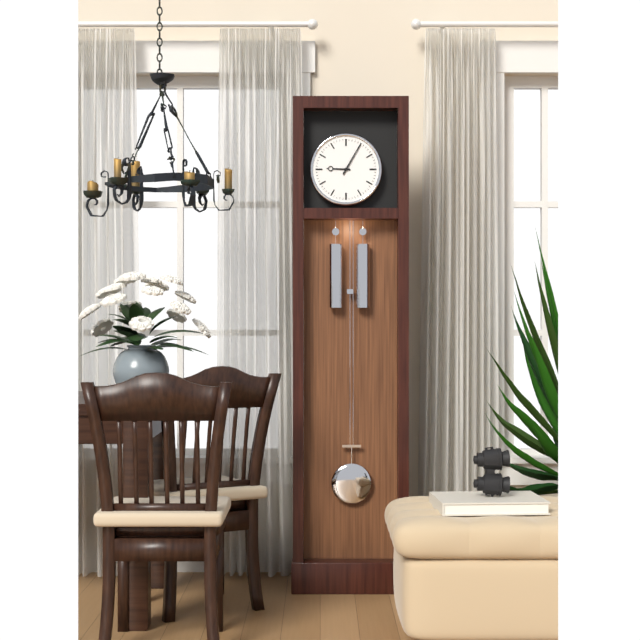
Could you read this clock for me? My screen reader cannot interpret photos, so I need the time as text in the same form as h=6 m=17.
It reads h=9 m=5
